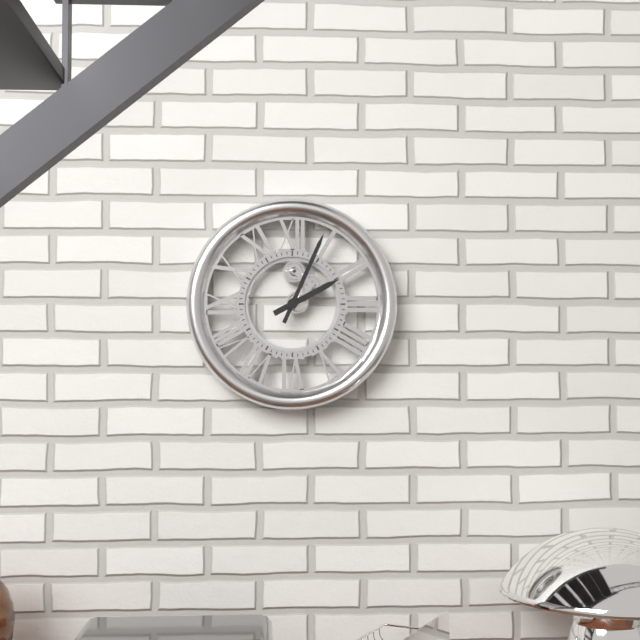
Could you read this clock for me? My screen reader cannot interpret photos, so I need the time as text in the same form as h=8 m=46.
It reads h=2 m=4
